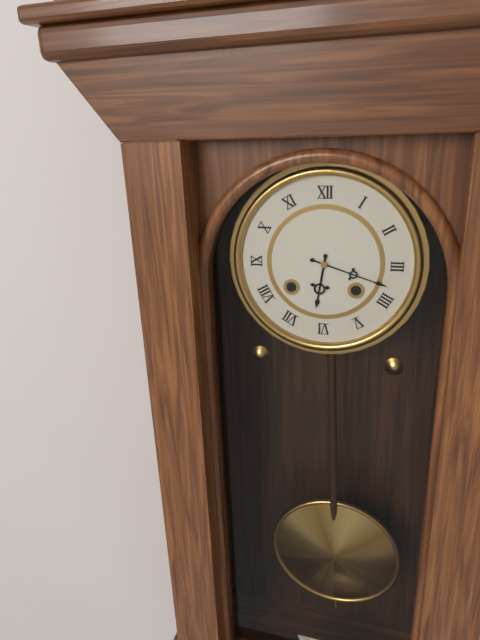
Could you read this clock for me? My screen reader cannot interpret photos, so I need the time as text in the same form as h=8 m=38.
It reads h=6 m=18
